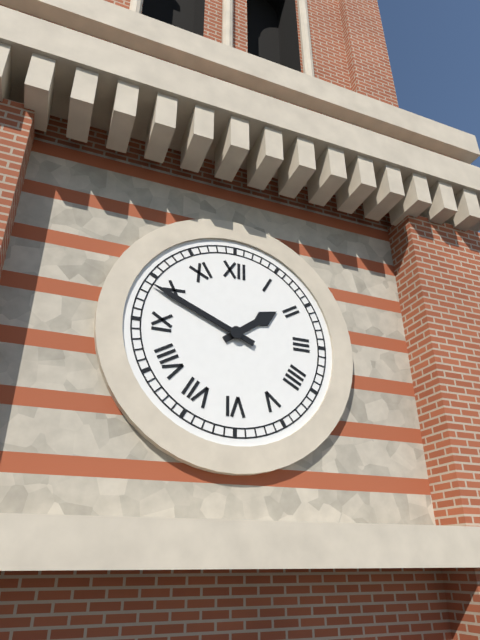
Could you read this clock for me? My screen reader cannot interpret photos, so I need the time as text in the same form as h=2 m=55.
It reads h=1 m=49
